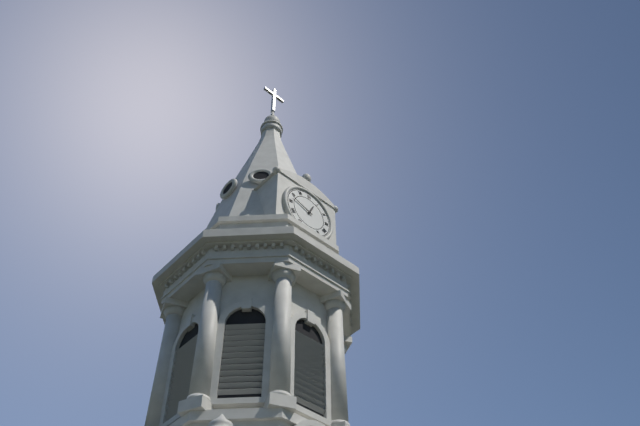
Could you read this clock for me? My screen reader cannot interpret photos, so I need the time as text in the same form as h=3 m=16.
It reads h=12 m=48
